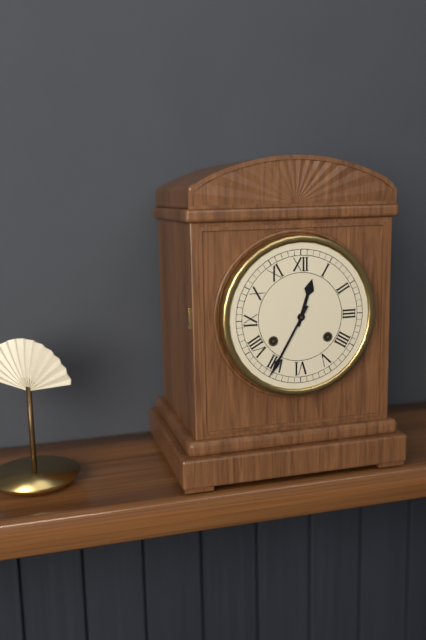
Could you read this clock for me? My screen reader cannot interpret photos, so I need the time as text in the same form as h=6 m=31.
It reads h=12 m=35
